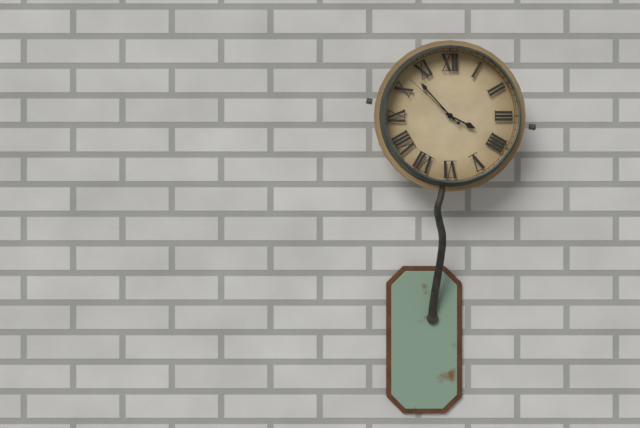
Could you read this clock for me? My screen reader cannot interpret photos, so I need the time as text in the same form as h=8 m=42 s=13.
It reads h=3 m=53 s=52
